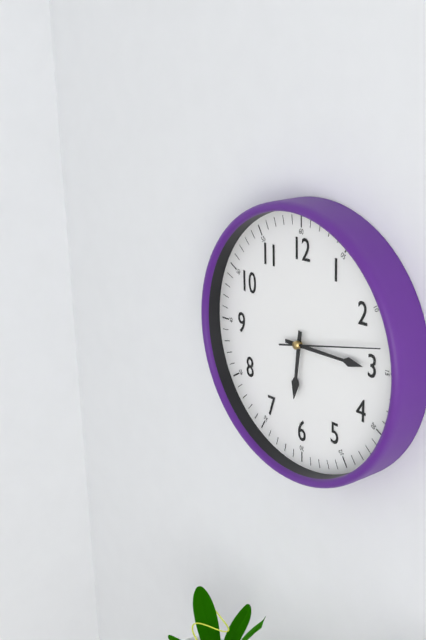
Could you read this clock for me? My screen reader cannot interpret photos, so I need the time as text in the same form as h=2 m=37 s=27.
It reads h=6 m=15 s=13
